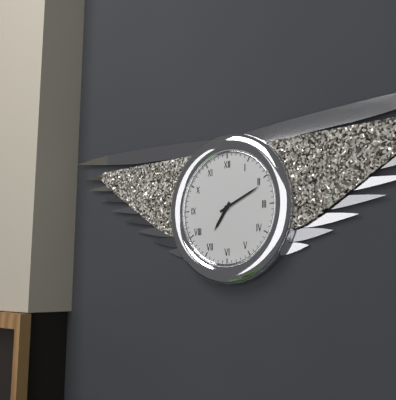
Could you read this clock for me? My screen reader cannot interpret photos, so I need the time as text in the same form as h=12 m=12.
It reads h=7 m=11
